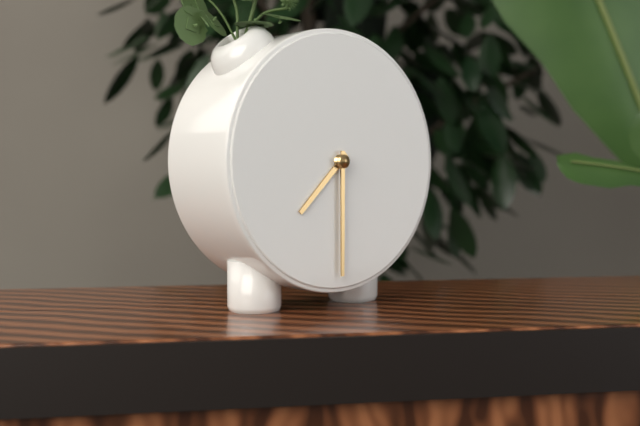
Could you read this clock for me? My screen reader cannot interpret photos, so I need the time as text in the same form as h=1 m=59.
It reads h=7 m=30
